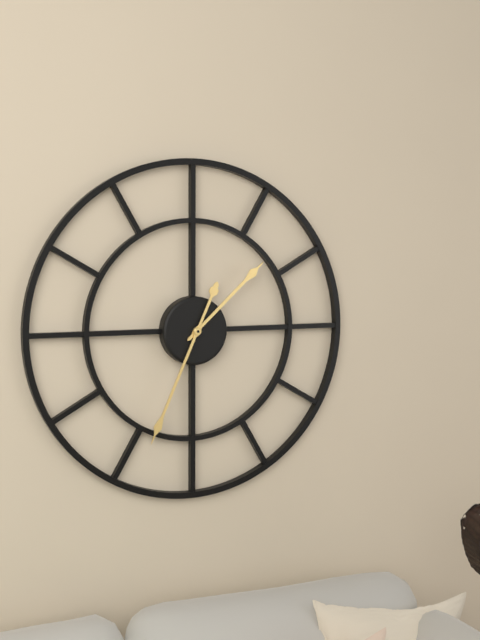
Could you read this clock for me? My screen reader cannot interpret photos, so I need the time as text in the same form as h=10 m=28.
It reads h=1 m=34
